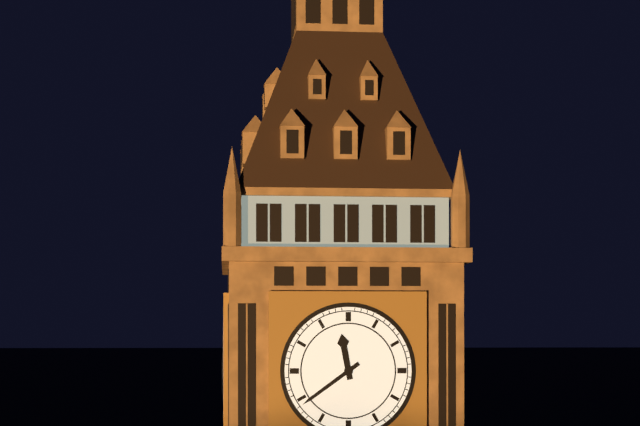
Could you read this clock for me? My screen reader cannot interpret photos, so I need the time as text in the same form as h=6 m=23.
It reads h=11 m=39
